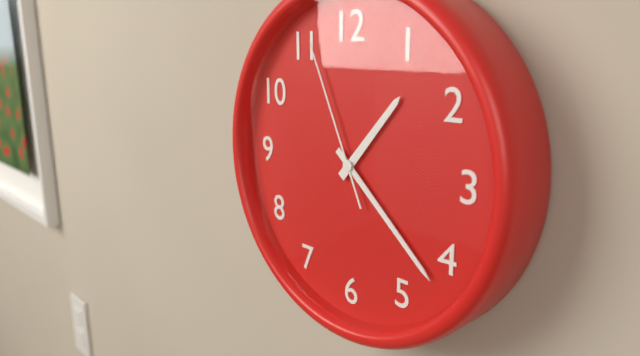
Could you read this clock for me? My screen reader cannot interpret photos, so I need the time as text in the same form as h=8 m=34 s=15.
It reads h=1 m=22 s=56
